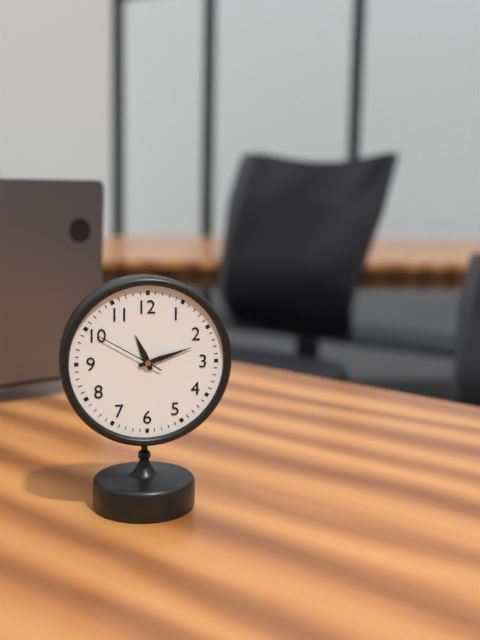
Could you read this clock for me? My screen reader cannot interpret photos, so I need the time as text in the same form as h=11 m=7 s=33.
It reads h=11 m=12 s=50
